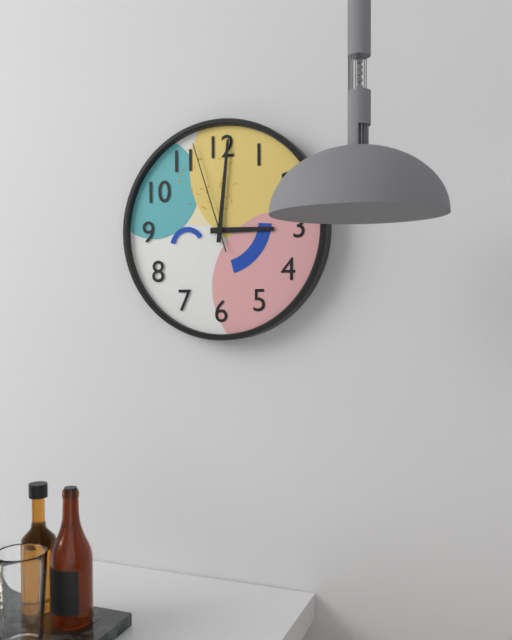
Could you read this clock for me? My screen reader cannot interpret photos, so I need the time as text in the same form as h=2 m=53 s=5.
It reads h=3 m=1 s=57
